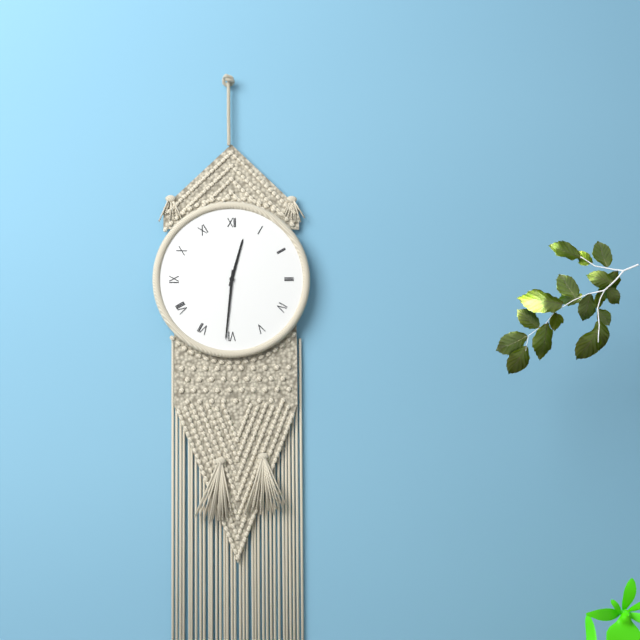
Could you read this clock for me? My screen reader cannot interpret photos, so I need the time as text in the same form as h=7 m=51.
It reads h=12 m=31
